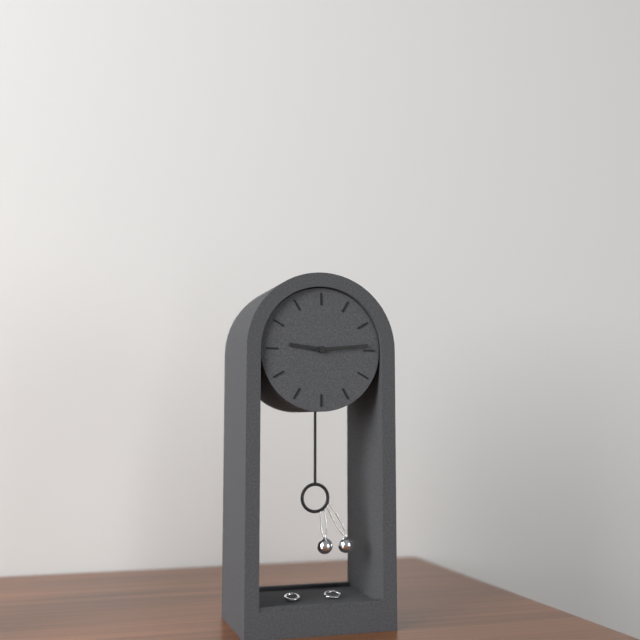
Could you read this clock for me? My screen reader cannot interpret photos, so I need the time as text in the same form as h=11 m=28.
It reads h=9 m=14
